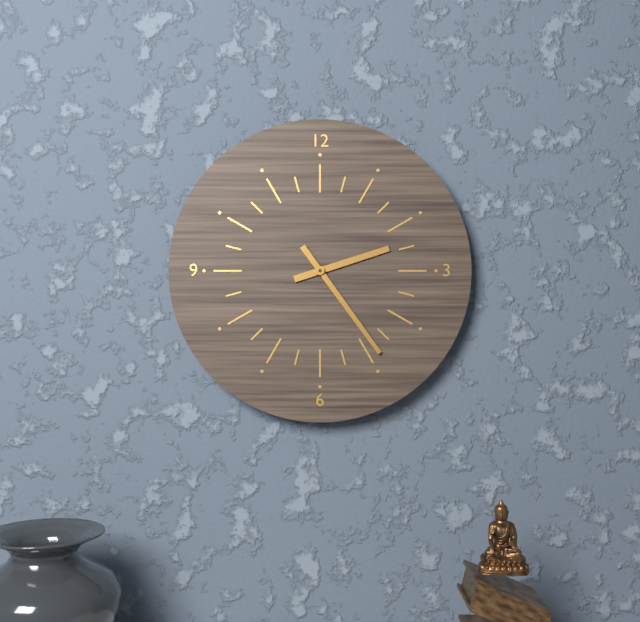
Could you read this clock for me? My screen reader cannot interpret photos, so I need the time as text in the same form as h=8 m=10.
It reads h=2 m=24
